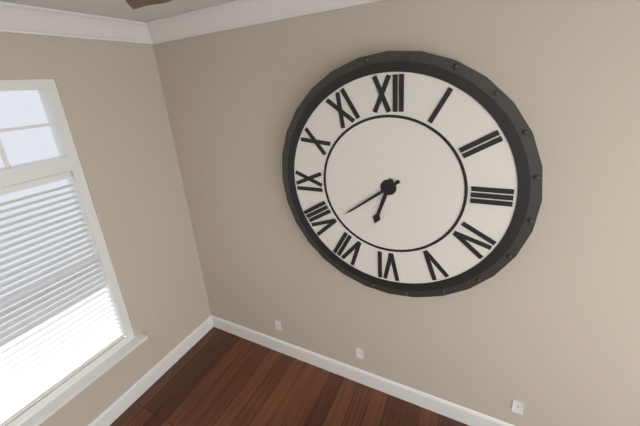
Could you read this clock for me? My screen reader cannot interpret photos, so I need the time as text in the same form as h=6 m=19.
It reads h=6 m=39
